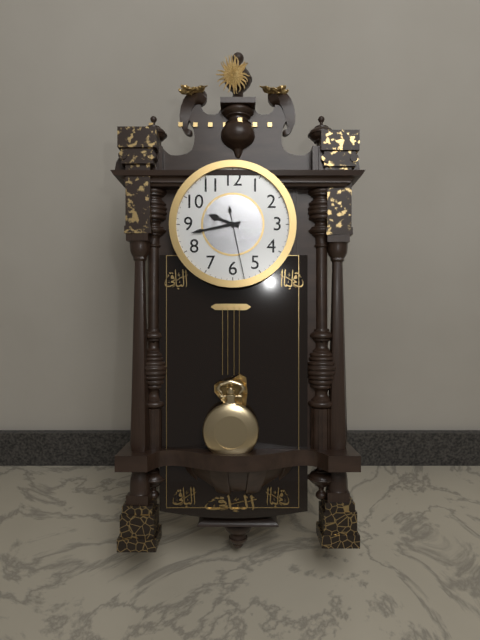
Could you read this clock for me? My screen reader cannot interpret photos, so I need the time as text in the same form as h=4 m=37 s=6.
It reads h=9 m=43 s=28
